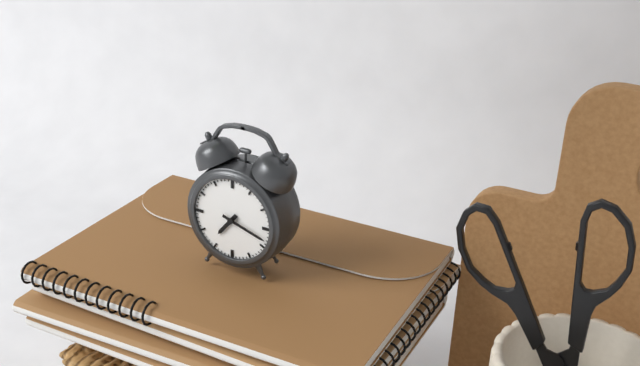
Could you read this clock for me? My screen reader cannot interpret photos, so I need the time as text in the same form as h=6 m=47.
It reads h=7 m=18
